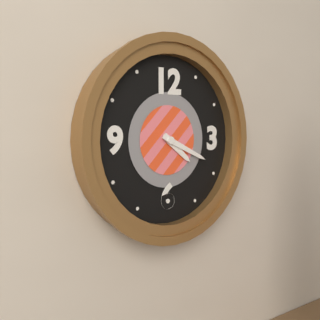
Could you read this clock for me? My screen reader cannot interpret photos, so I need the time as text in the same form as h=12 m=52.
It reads h=4 m=19
